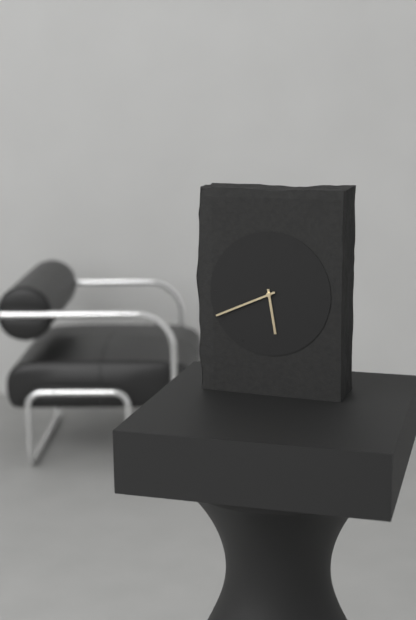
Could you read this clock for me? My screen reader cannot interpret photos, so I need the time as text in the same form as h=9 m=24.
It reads h=5 m=41
